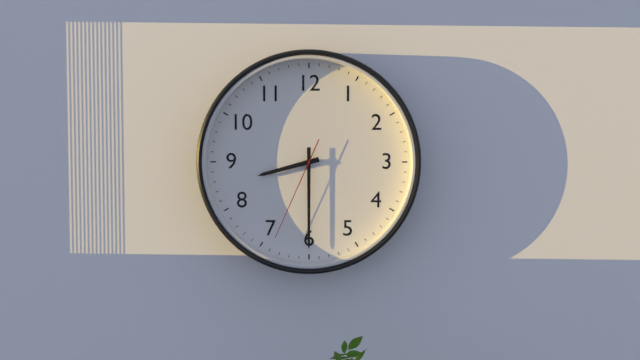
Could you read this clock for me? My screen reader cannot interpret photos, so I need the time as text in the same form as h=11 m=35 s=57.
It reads h=8 m=30 s=34
